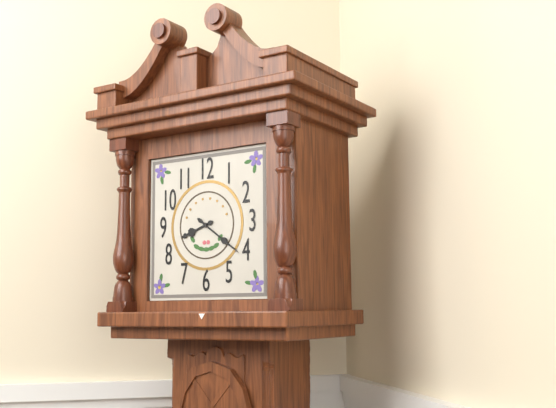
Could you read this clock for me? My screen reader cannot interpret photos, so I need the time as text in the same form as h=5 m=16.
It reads h=8 m=21
